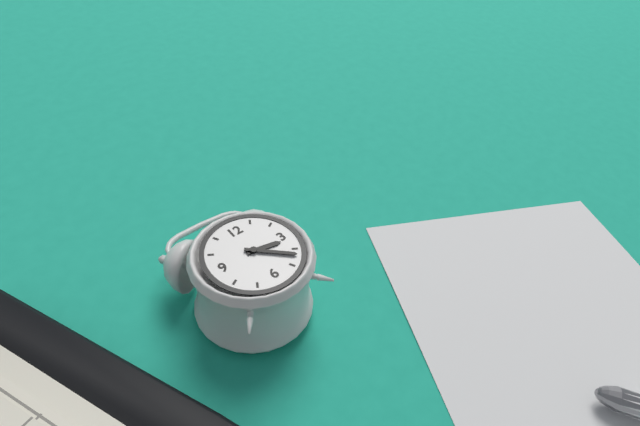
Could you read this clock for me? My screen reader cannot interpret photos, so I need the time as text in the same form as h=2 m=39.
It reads h=3 m=22
